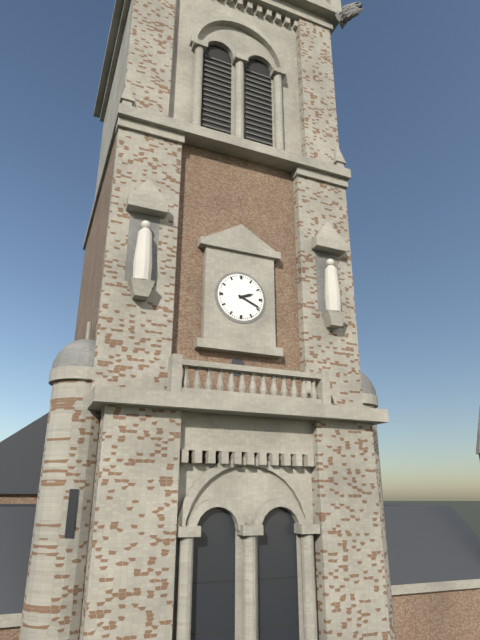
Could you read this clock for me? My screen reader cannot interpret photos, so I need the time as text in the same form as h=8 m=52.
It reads h=2 m=19
